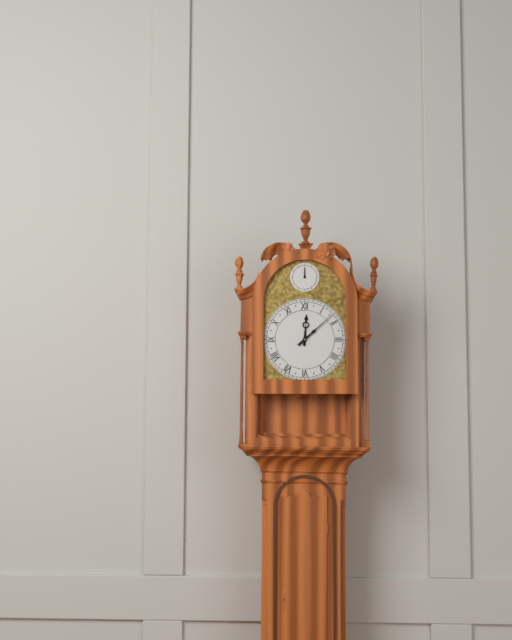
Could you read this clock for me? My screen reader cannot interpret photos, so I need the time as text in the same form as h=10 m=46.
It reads h=12 m=8
